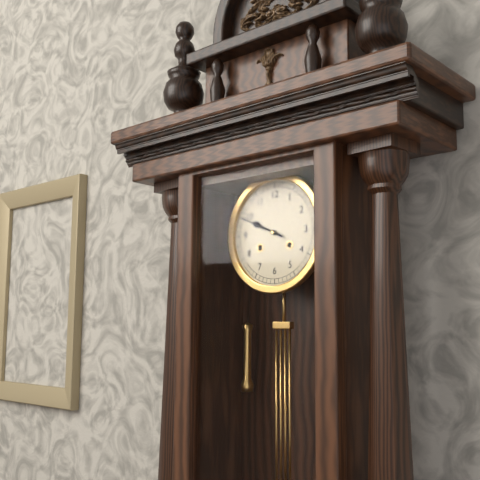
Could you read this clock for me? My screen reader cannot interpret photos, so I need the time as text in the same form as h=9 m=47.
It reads h=9 m=49
